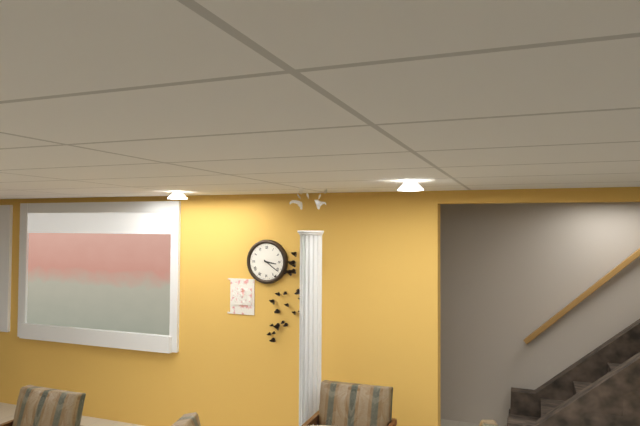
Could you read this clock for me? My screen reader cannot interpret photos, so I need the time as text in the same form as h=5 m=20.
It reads h=3 m=21
